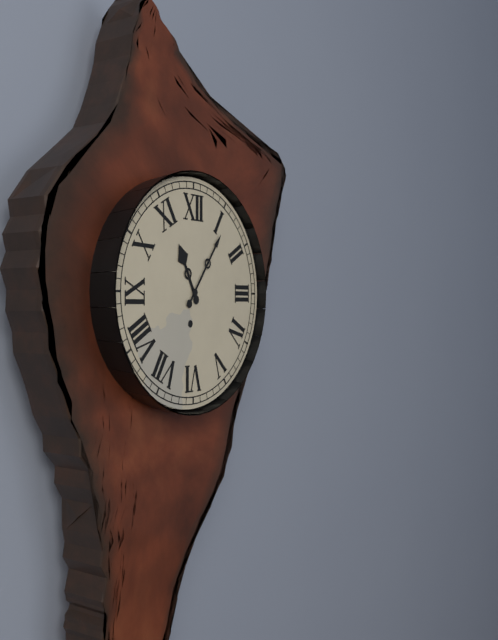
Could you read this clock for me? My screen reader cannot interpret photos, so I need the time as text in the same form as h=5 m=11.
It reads h=11 m=6
